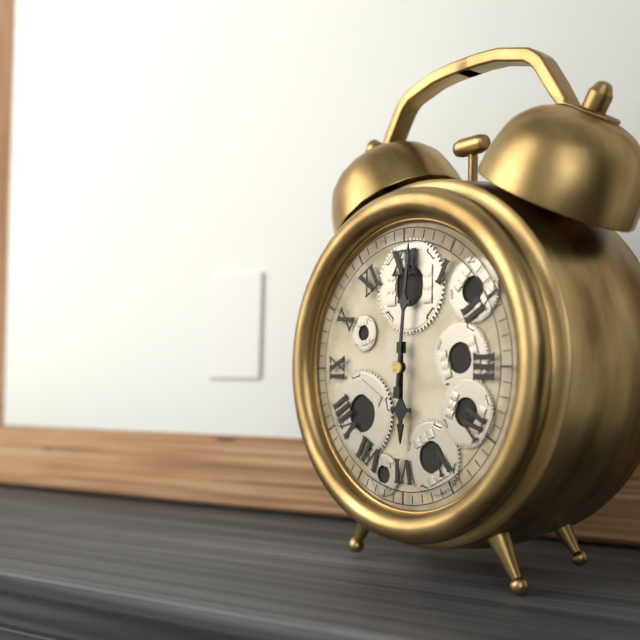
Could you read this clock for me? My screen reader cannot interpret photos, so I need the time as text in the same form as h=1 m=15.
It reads h=6 m=1
